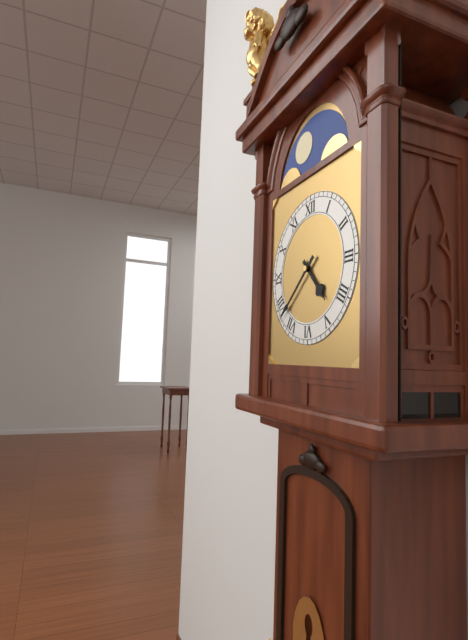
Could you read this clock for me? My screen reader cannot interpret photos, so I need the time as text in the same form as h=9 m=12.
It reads h=4 m=38
